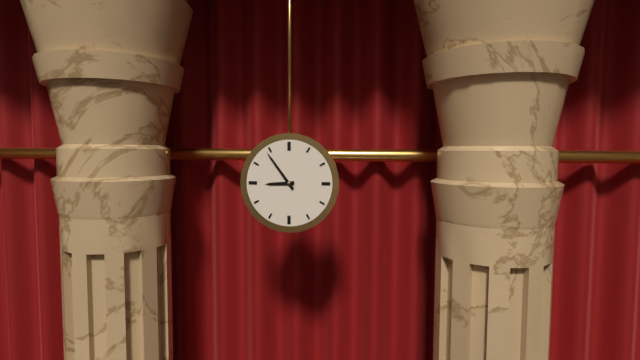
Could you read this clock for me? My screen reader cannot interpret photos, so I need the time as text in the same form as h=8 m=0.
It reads h=8 m=54
